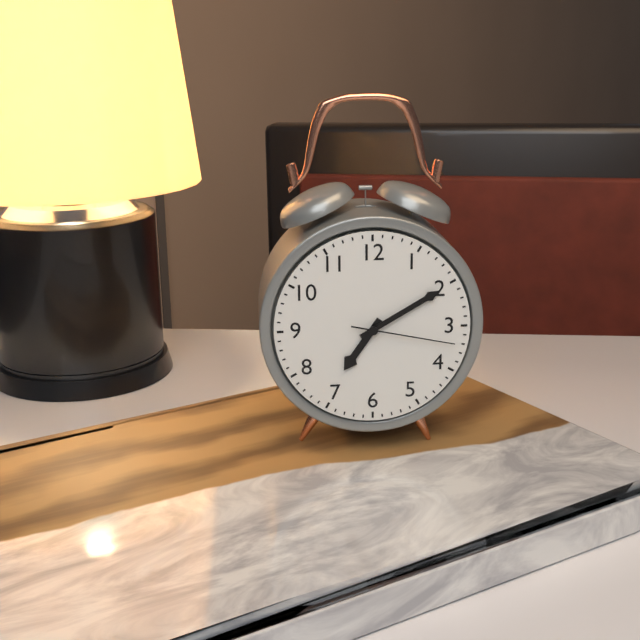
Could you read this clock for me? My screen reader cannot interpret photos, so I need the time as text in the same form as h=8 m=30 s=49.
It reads h=7 m=10 s=17
